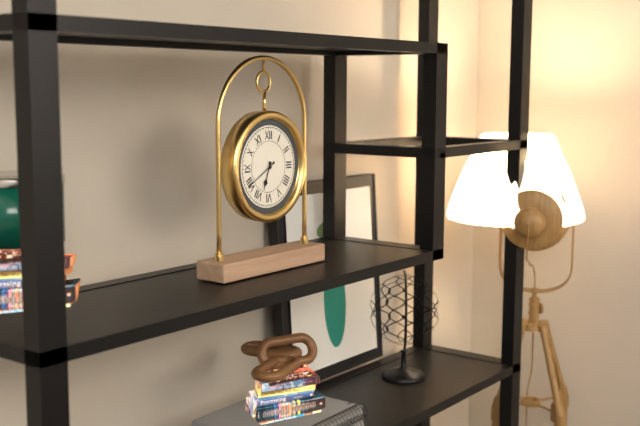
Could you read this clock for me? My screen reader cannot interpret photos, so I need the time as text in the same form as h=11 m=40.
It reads h=6 m=40
